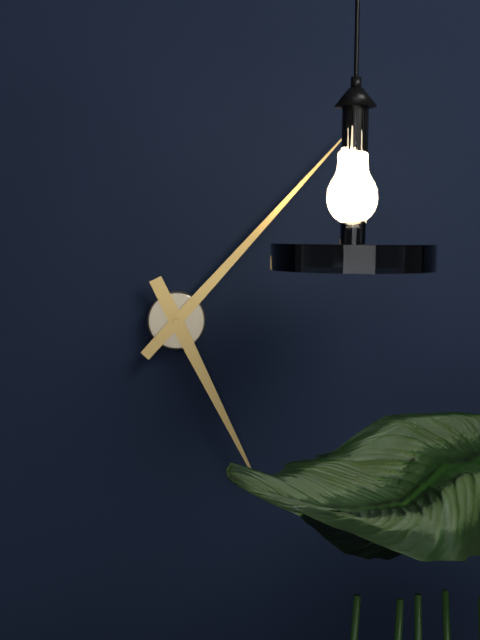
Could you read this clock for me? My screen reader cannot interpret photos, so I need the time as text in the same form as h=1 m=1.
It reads h=5 m=7
